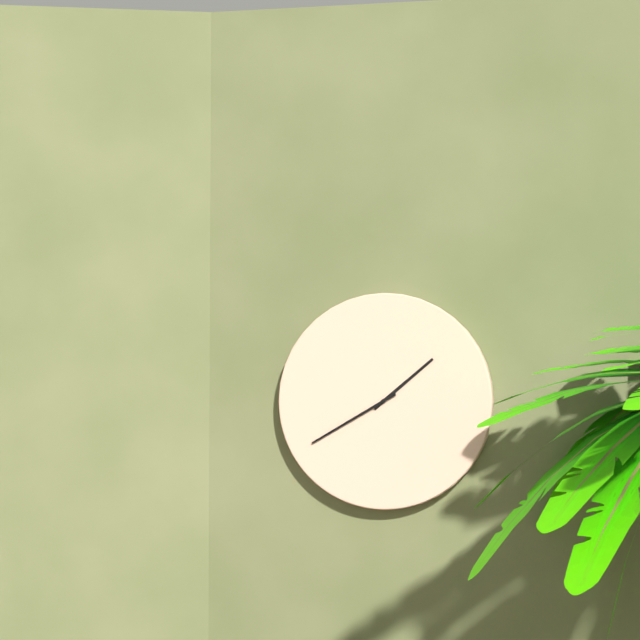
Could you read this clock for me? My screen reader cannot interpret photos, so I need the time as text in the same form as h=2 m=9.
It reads h=1 m=40
